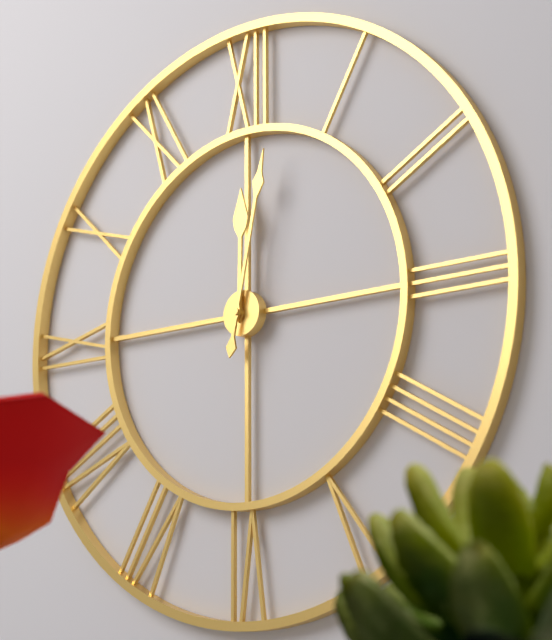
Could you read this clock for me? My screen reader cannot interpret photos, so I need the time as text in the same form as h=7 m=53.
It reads h=12 m=2
